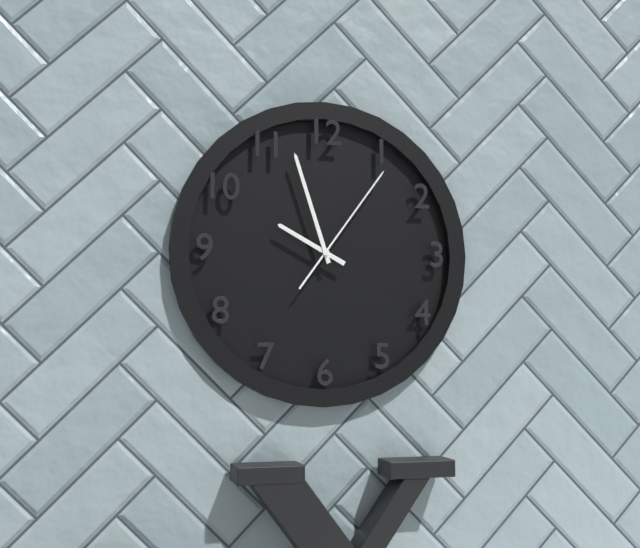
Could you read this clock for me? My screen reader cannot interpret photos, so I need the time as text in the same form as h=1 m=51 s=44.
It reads h=9 m=57 s=6
